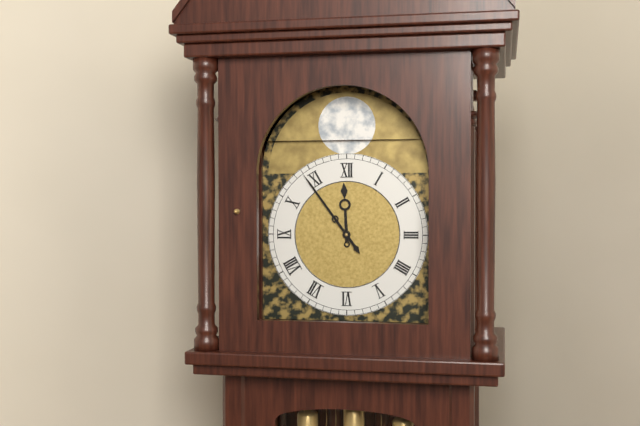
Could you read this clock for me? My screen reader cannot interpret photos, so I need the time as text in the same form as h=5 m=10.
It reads h=11 m=54
